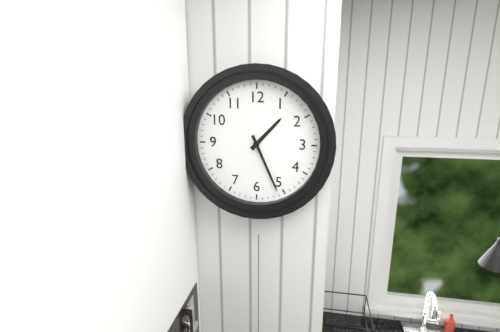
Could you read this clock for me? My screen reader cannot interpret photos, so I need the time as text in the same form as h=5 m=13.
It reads h=1 m=26
